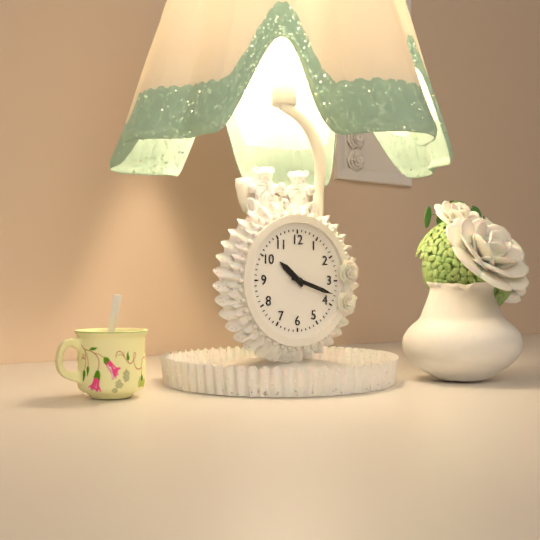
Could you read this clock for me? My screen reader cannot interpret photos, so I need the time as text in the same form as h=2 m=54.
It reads h=10 m=18
